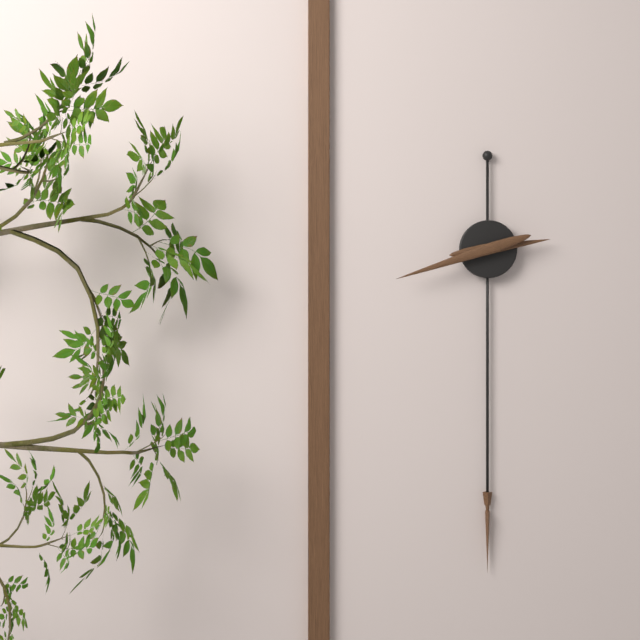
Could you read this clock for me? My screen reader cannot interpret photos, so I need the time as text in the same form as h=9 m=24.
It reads h=2 m=42
